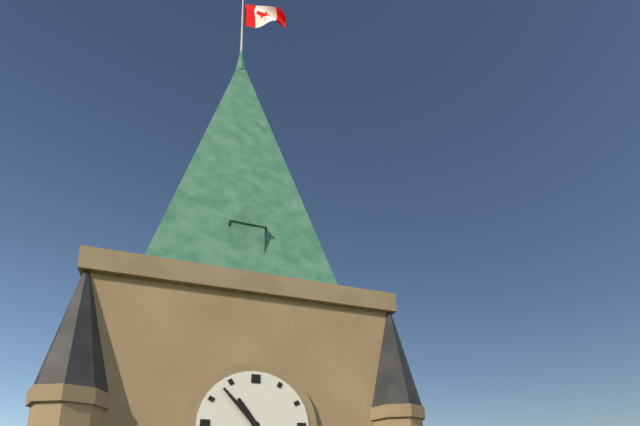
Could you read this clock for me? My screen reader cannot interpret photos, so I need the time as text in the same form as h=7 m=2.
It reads h=10 m=53
